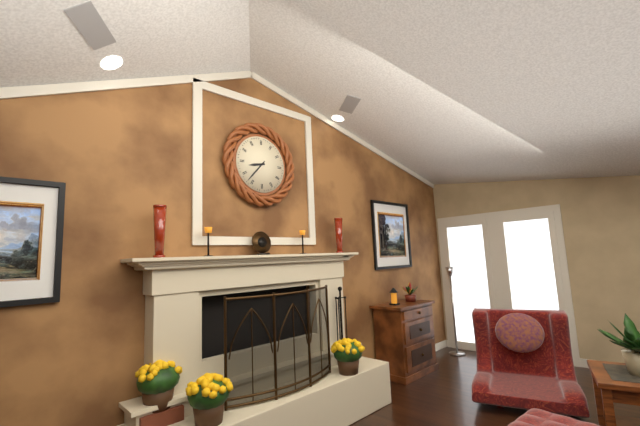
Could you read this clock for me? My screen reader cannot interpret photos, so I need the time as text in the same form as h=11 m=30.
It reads h=8 m=37
